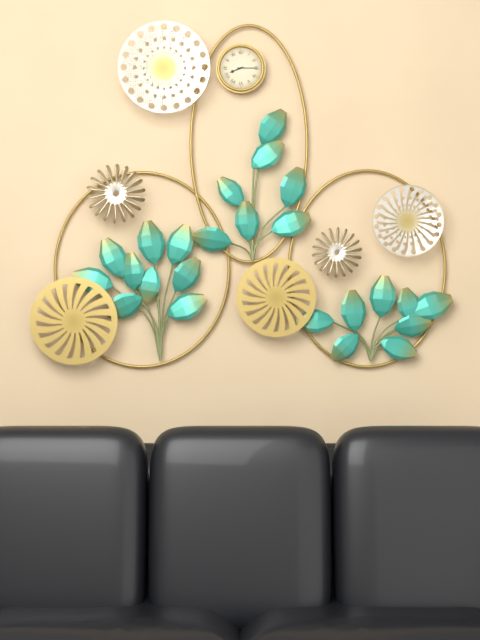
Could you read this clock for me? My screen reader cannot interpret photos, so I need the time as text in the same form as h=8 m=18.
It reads h=8 m=15
